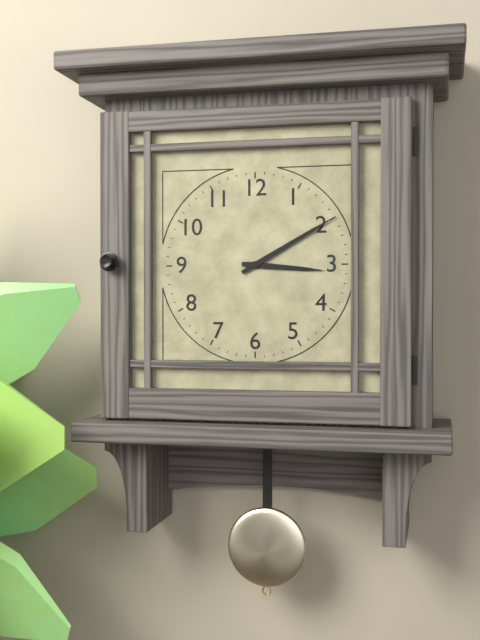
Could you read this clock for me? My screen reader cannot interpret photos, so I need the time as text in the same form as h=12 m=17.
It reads h=3 m=10
